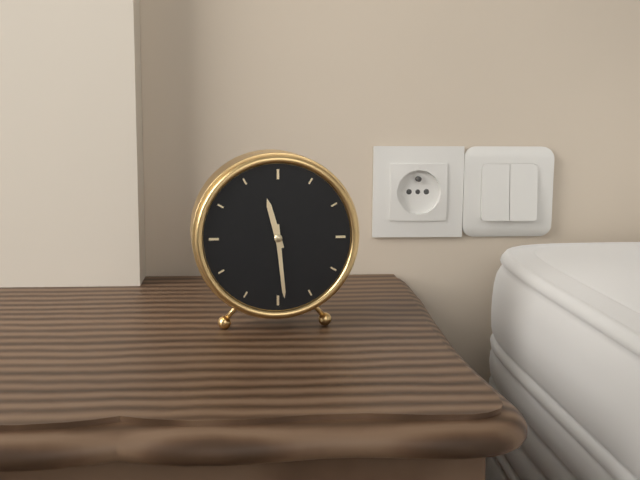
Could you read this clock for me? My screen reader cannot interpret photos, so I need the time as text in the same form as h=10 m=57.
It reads h=11 m=29
